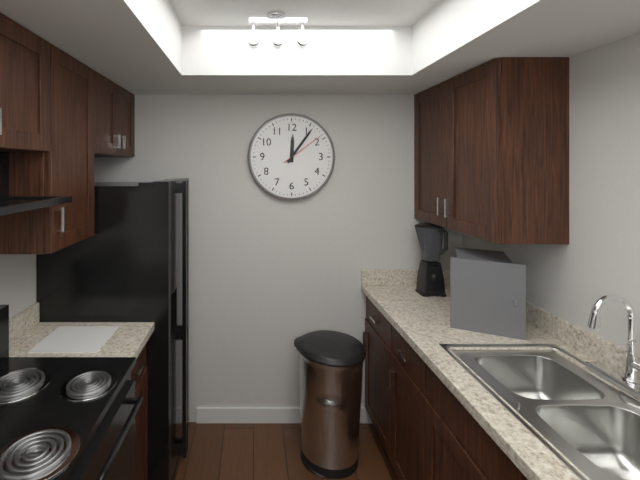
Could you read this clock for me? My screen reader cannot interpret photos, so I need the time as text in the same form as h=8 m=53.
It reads h=12 m=6
